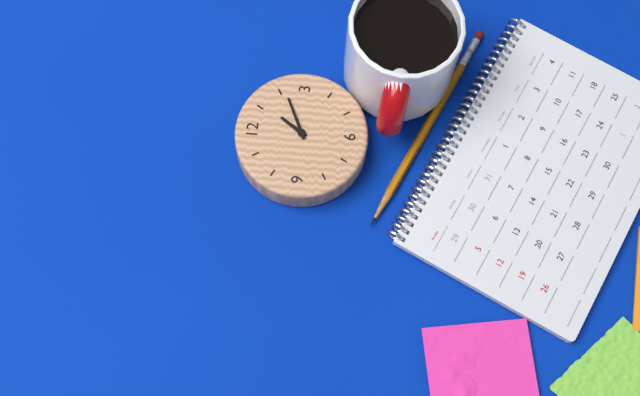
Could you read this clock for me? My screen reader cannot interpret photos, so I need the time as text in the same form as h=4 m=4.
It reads h=1 m=11
